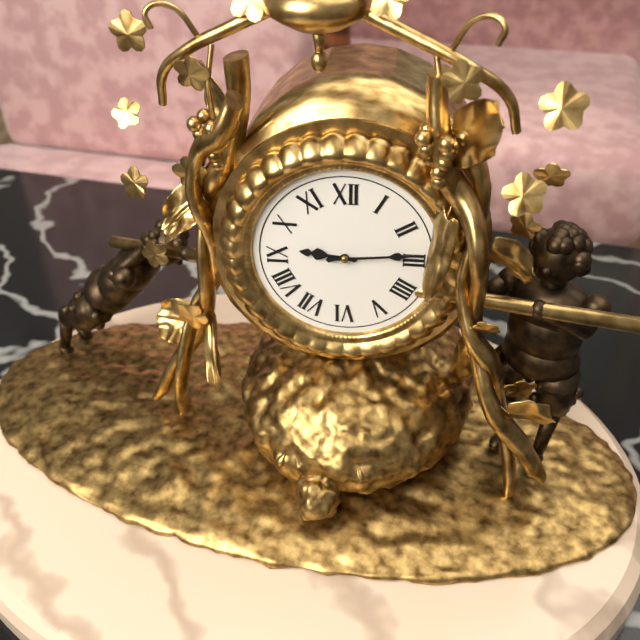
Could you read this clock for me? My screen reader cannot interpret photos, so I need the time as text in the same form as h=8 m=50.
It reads h=9 m=14
